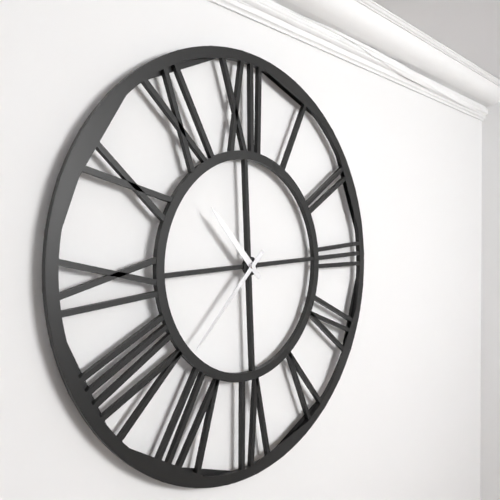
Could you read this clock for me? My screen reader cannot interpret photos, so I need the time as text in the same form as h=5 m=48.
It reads h=10 m=38
